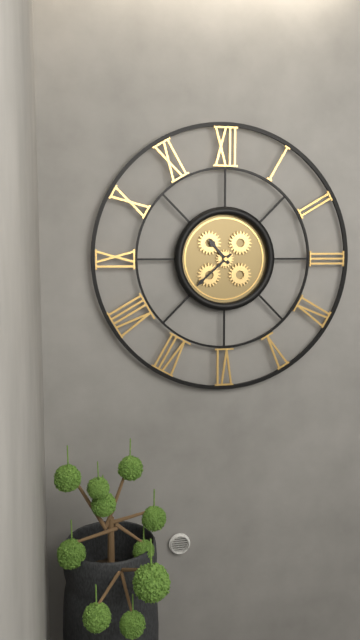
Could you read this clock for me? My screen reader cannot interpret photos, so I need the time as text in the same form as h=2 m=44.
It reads h=10 m=38
